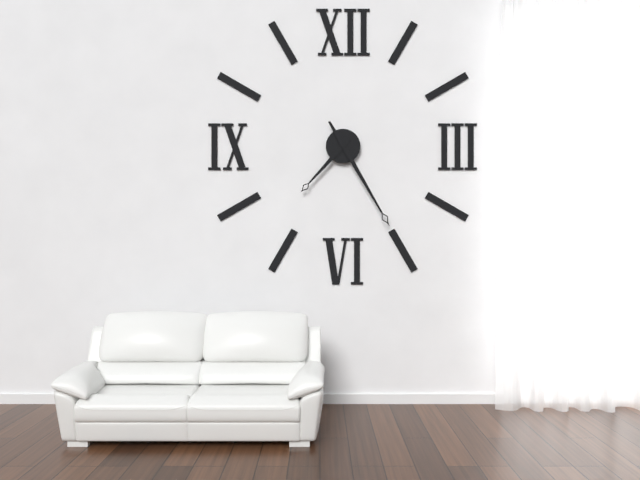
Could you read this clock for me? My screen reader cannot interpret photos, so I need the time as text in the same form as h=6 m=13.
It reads h=7 m=25
